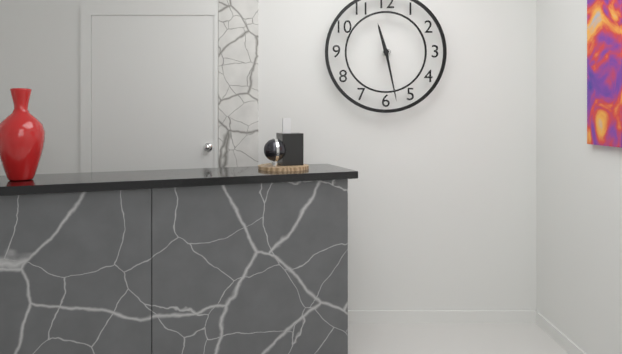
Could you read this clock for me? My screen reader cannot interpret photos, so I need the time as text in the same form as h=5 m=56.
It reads h=11 m=28
